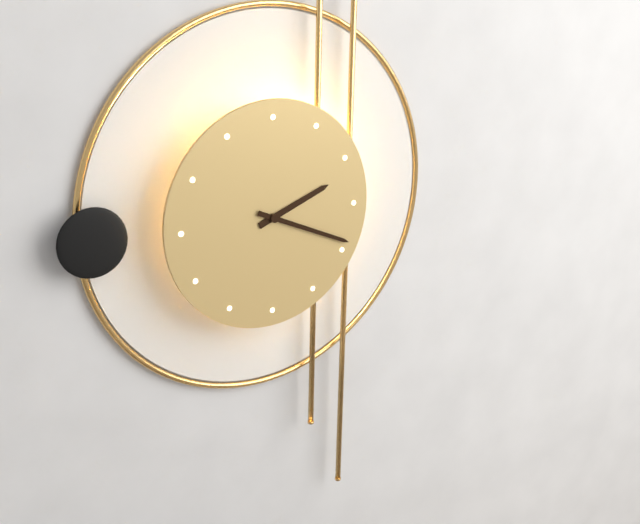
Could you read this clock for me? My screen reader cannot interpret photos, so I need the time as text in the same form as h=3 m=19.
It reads h=2 m=19
